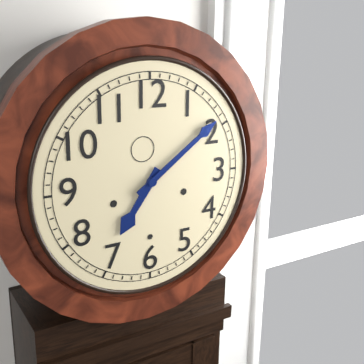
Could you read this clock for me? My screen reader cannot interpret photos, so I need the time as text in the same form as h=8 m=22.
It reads h=7 m=9
